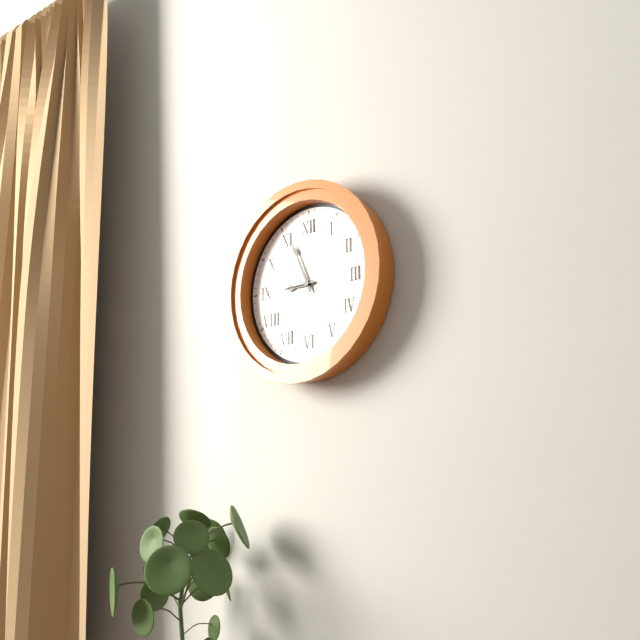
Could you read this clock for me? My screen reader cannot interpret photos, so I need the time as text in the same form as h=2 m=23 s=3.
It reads h=8 m=56 s=45
